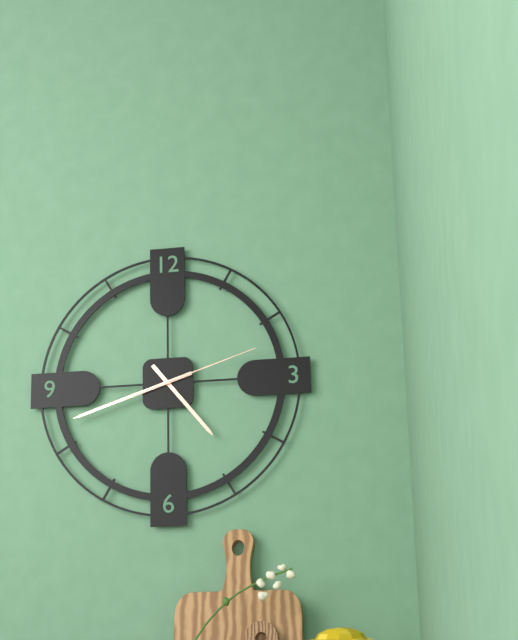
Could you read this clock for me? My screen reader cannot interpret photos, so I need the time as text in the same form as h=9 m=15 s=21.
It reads h=4 m=42 s=12
